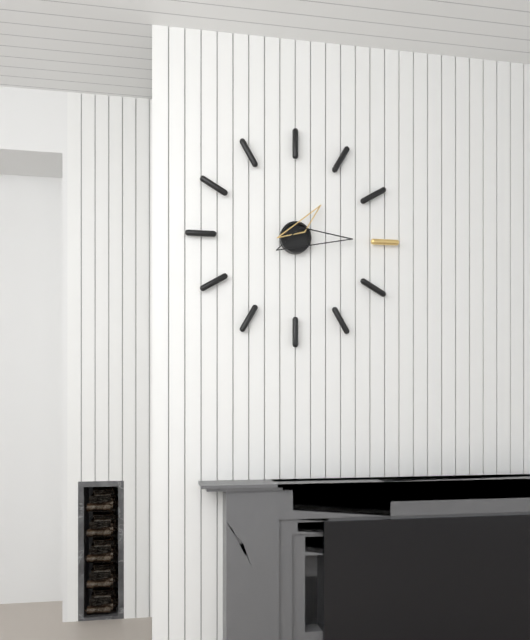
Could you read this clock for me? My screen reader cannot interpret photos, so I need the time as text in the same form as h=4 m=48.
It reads h=1 m=15
